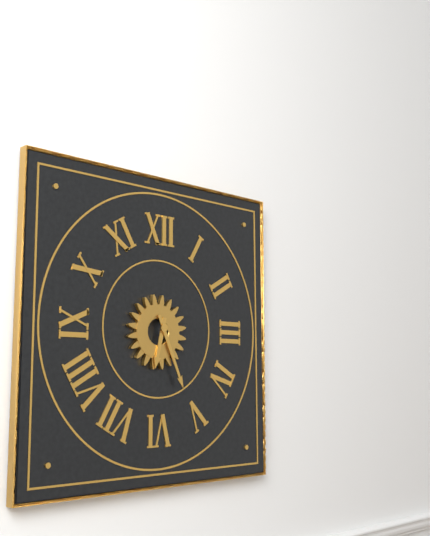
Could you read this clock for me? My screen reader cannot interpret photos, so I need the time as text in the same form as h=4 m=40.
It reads h=6 m=26
